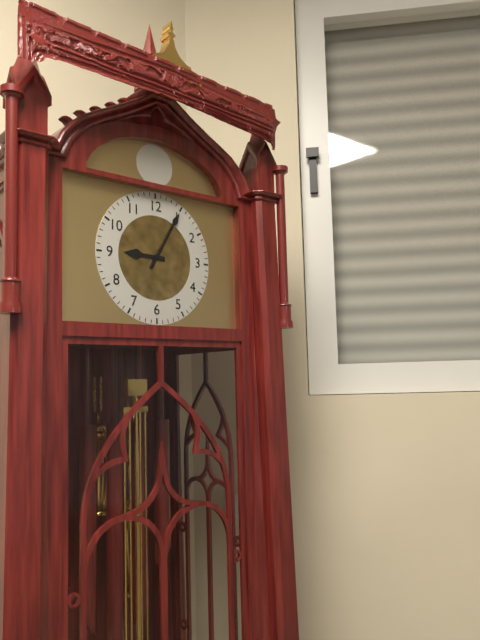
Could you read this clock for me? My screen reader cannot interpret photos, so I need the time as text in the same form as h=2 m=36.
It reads h=9 m=5
